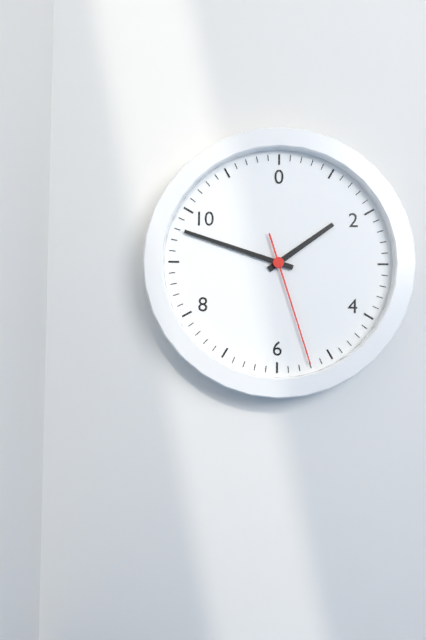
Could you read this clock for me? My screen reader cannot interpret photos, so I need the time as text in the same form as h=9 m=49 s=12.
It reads h=1 m=48 s=27
